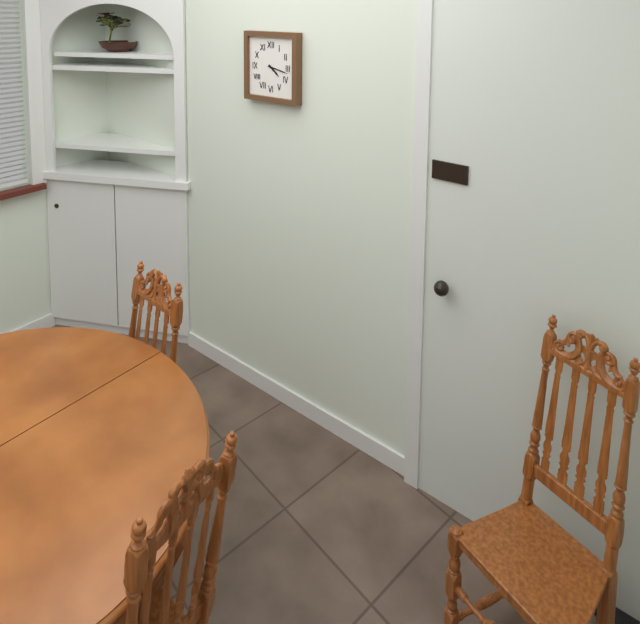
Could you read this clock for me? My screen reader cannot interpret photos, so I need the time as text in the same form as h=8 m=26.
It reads h=4 m=17
